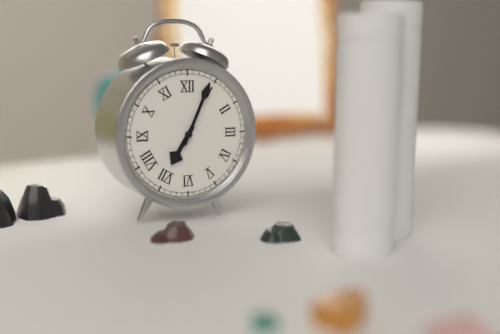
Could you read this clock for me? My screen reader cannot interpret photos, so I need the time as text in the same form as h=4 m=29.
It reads h=7 m=4
